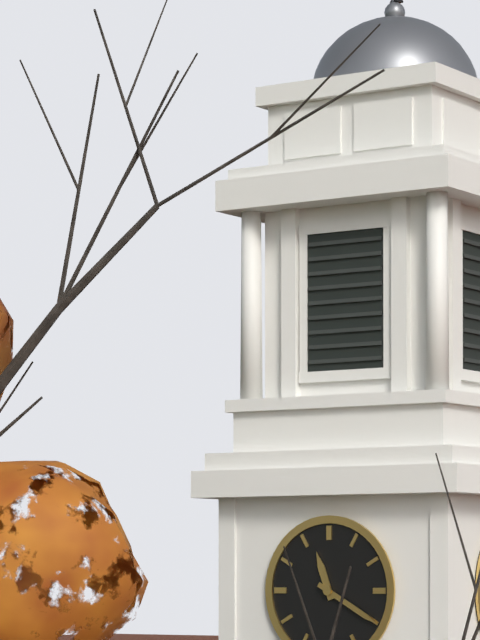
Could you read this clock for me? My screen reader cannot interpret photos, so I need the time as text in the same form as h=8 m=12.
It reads h=11 m=20
